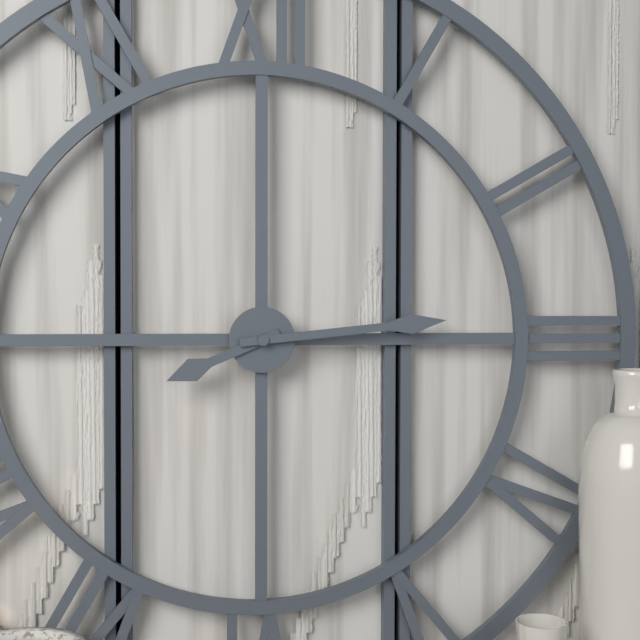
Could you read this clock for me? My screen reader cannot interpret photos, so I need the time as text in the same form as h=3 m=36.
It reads h=8 m=14
